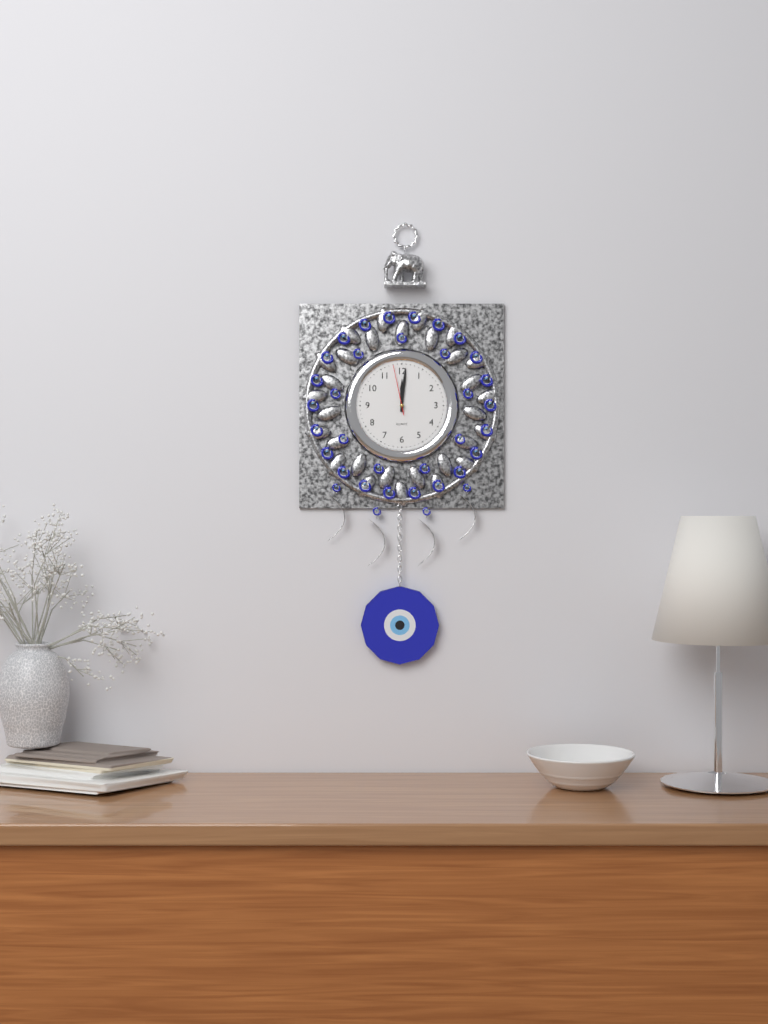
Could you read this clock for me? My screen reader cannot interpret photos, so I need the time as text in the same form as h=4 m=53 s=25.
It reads h=12 m=1 s=58
